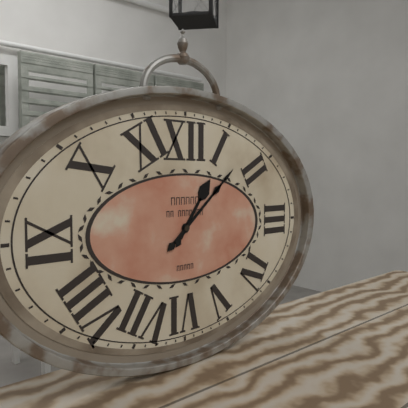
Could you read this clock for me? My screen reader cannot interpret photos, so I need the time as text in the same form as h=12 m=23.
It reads h=1 m=8
